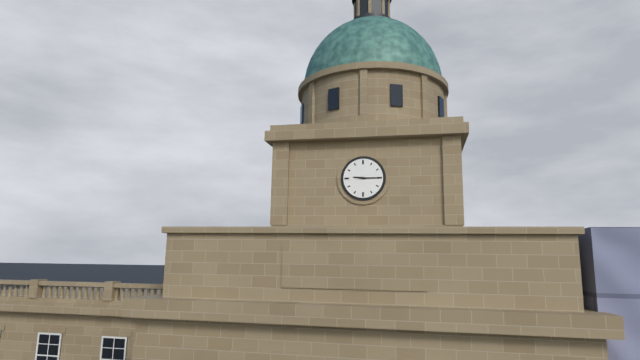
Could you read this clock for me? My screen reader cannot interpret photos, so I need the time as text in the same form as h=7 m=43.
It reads h=9 m=15
